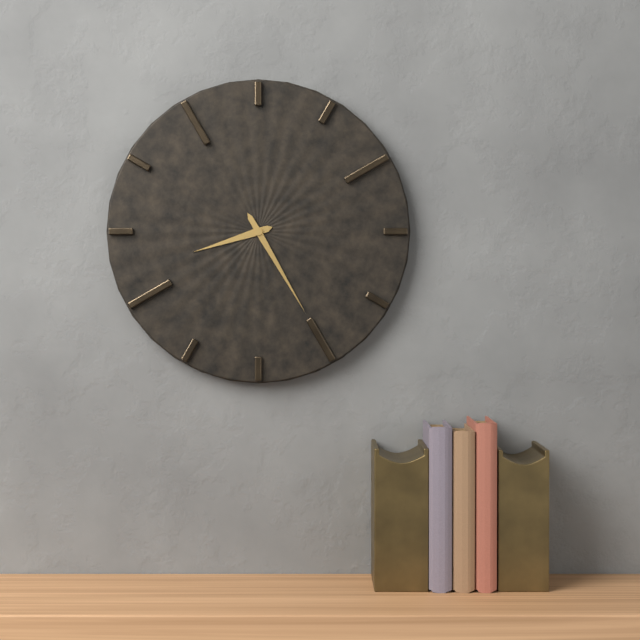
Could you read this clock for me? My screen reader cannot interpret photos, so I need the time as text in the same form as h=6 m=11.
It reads h=8 m=25
